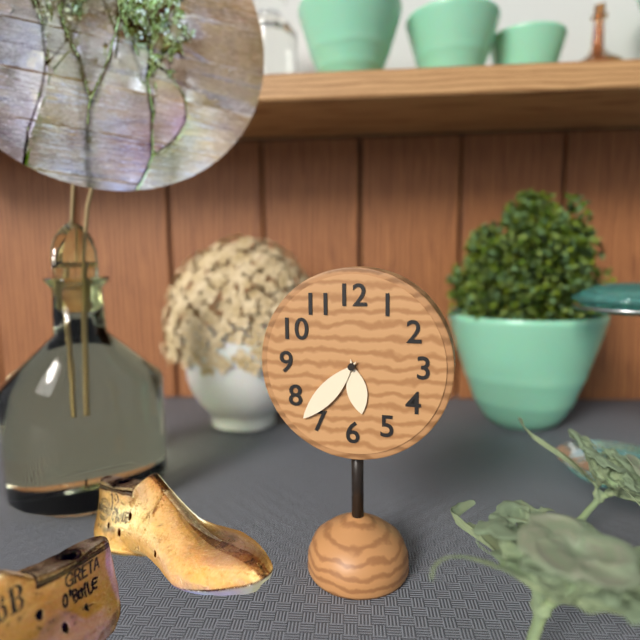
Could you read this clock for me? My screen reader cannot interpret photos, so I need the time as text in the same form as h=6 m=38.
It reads h=5 m=37
